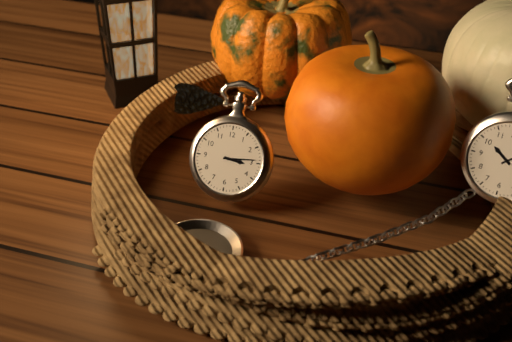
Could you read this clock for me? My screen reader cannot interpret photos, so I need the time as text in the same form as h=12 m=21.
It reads h=3 m=14
